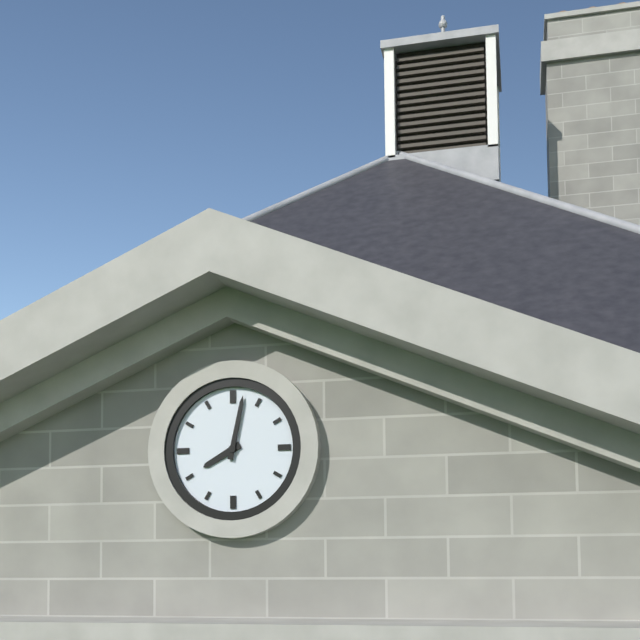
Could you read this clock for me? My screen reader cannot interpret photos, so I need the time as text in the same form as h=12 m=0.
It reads h=8 m=2
